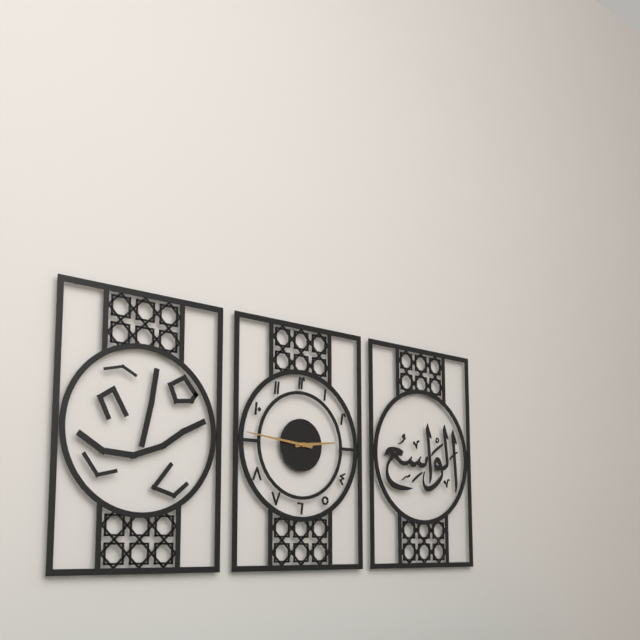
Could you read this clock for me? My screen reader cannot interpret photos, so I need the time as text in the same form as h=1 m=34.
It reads h=2 m=46
